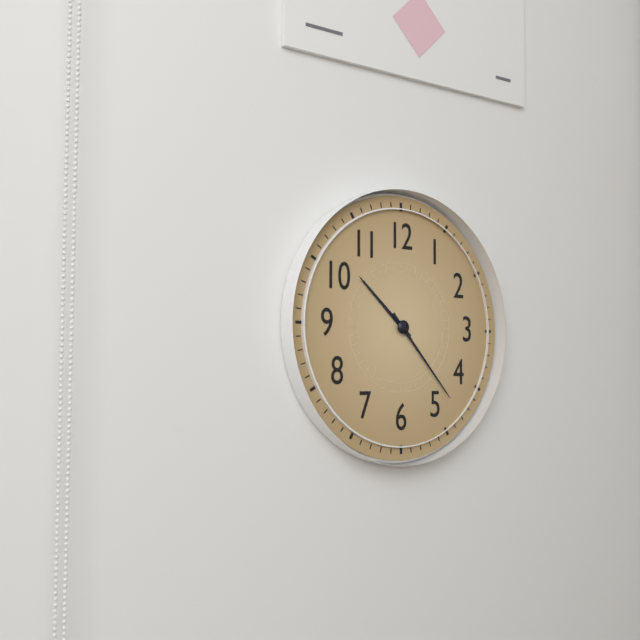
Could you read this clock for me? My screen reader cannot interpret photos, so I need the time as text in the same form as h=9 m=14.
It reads h=10 m=23
